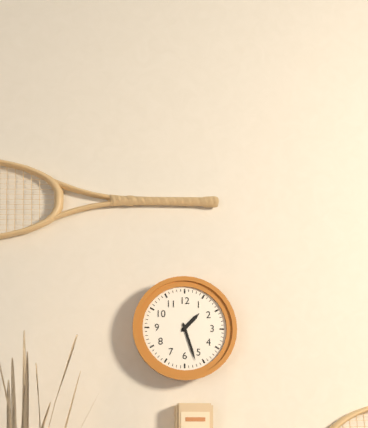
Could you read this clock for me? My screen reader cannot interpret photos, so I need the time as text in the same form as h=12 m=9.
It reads h=1 m=27
